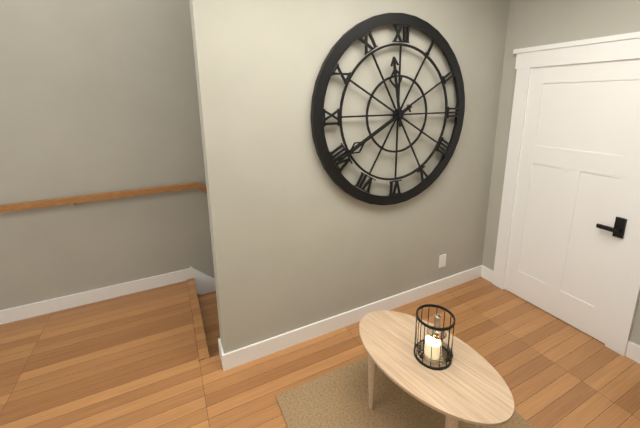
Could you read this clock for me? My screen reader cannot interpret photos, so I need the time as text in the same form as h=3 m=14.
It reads h=11 m=40
